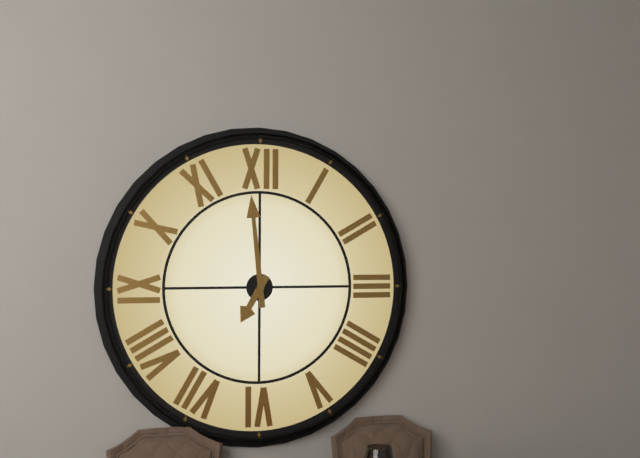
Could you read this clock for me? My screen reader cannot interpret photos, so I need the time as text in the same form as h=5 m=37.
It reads h=6 m=59
